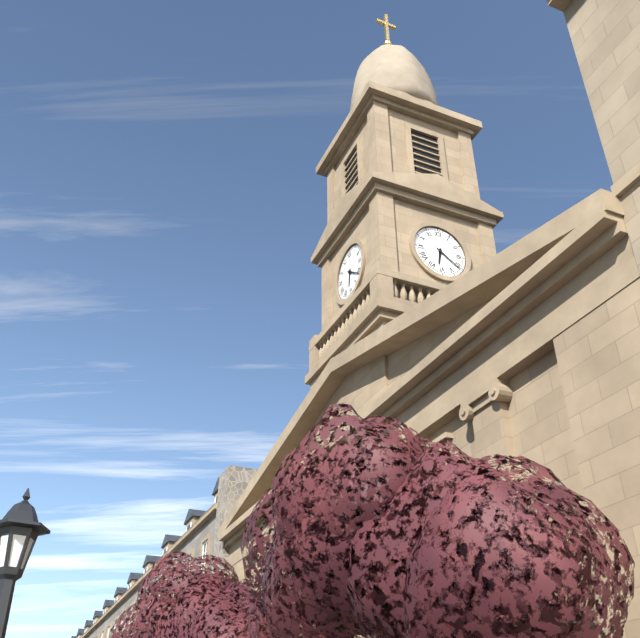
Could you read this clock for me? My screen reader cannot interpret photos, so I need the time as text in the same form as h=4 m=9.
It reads h=6 m=21
